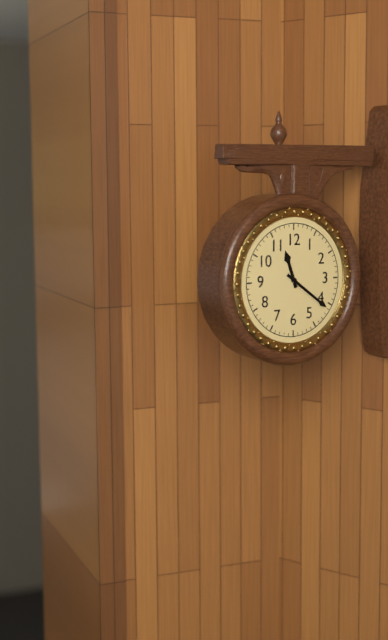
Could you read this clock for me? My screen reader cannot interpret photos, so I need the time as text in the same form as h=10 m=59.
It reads h=11 m=21
